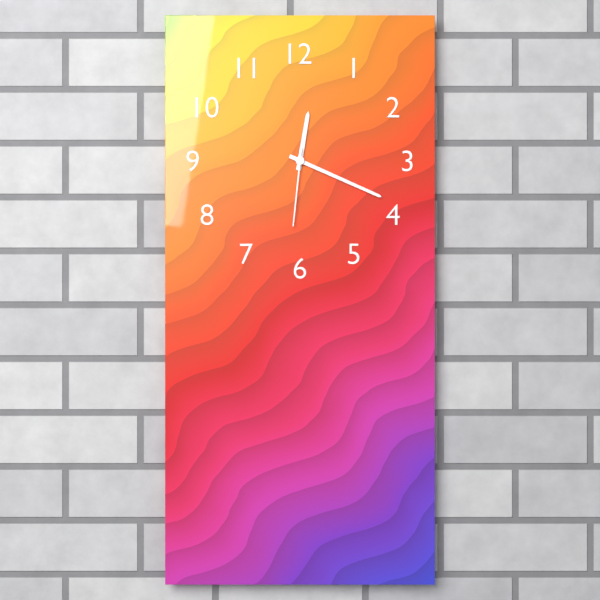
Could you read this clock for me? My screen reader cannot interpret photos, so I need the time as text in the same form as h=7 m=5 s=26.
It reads h=12 m=19 s=31
